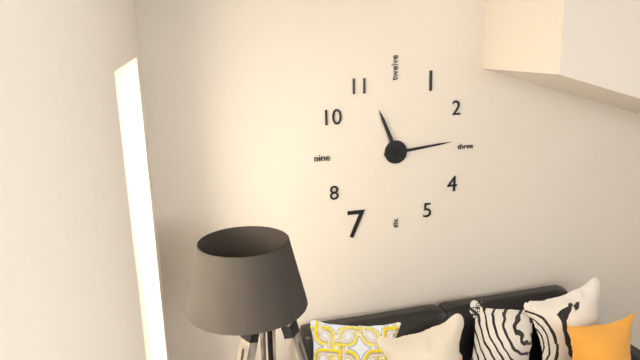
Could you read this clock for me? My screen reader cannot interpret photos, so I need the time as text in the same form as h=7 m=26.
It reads h=11 m=14
